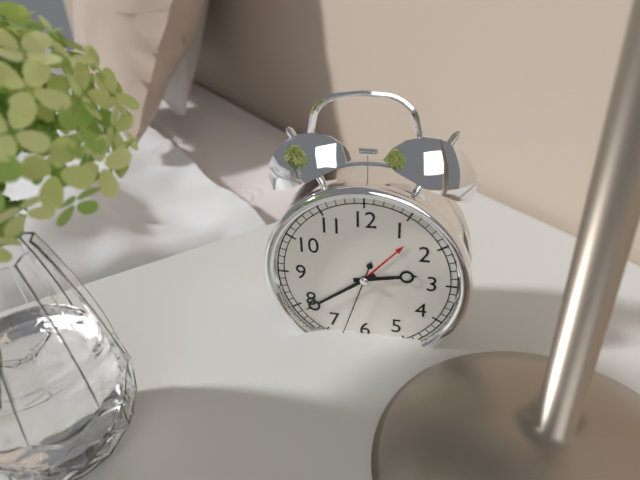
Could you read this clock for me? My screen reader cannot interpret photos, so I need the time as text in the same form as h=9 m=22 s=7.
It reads h=2 m=39 s=33
